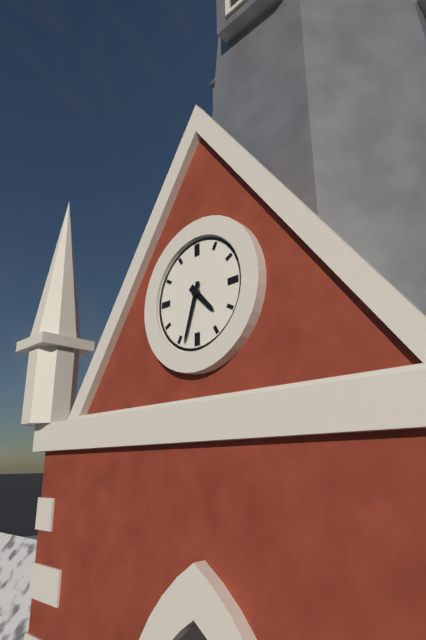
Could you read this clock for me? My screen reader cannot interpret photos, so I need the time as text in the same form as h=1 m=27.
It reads h=4 m=33
